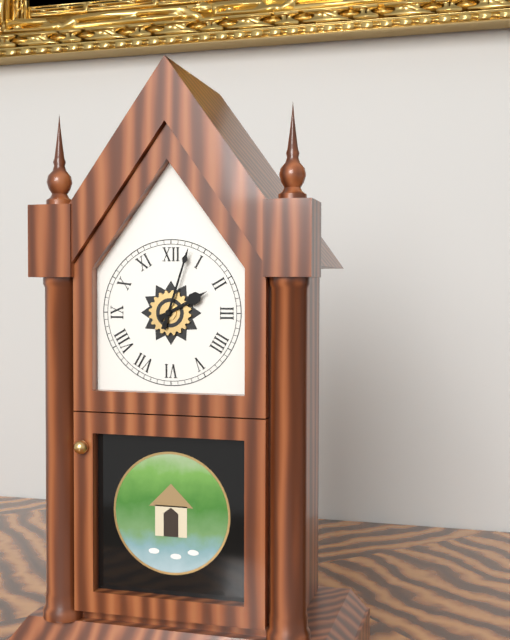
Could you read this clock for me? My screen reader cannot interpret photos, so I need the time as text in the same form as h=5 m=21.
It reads h=2 m=3
